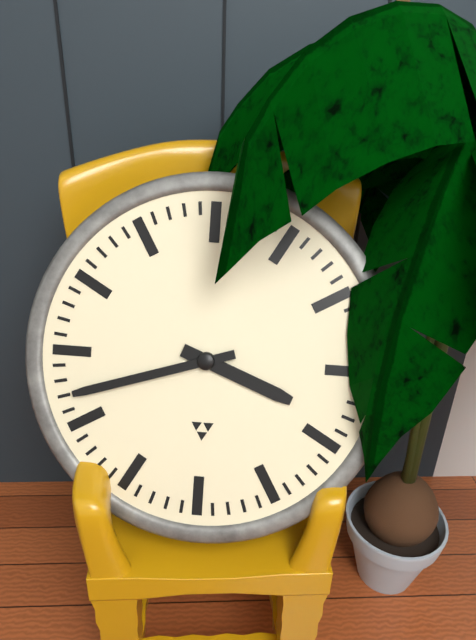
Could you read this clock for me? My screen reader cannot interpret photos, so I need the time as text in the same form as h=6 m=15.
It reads h=3 m=42
